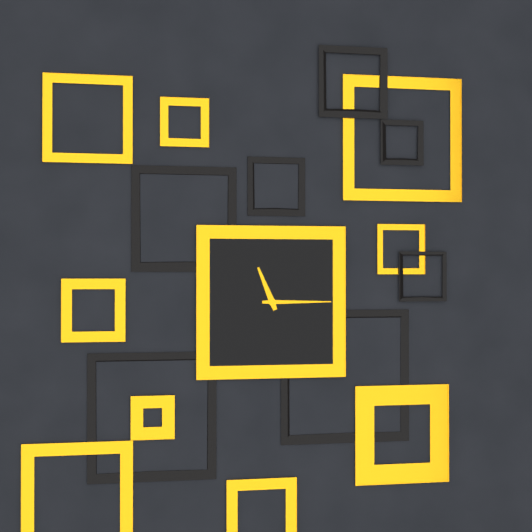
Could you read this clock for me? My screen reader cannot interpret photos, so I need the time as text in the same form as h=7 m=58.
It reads h=11 m=15
